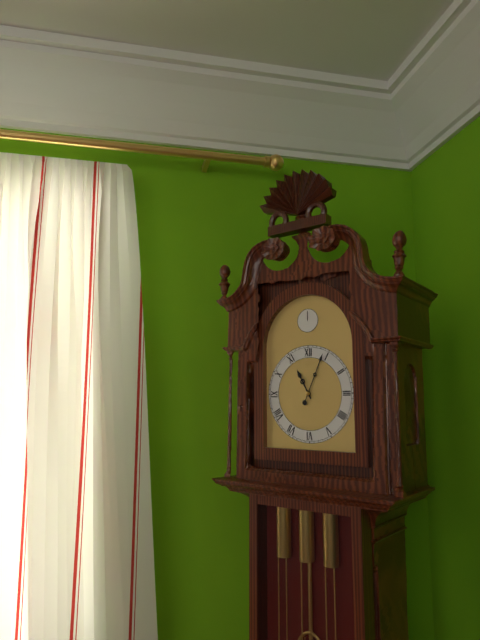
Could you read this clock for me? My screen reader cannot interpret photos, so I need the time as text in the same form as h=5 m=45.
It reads h=11 m=4
